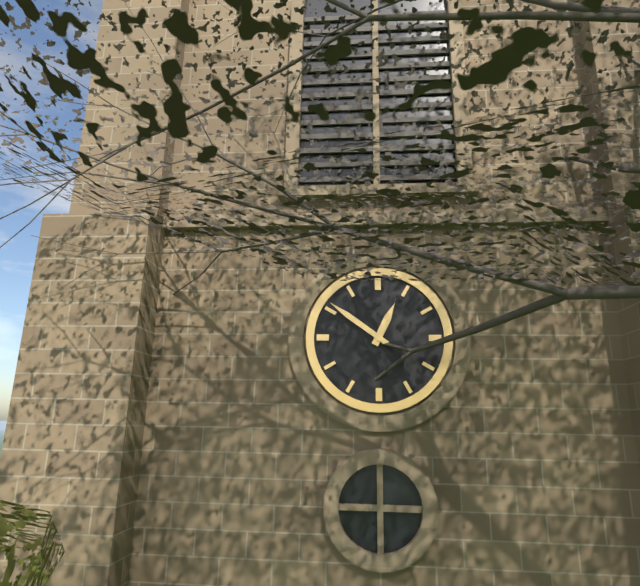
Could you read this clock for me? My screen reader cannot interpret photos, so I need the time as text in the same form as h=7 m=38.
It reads h=12 m=51
